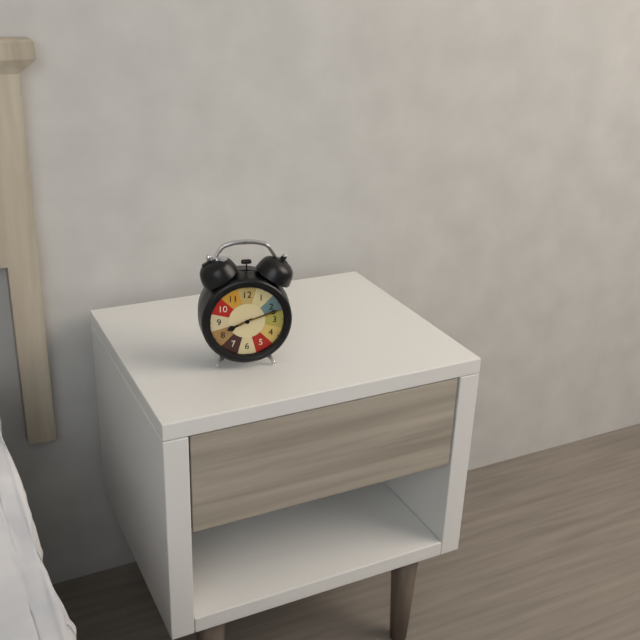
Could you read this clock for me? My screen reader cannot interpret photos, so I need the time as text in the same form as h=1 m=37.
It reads h=8 m=12
